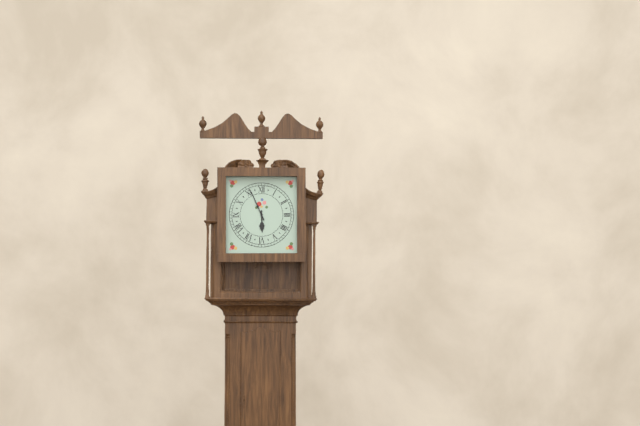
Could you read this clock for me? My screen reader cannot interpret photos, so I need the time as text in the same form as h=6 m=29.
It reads h=5 m=56
